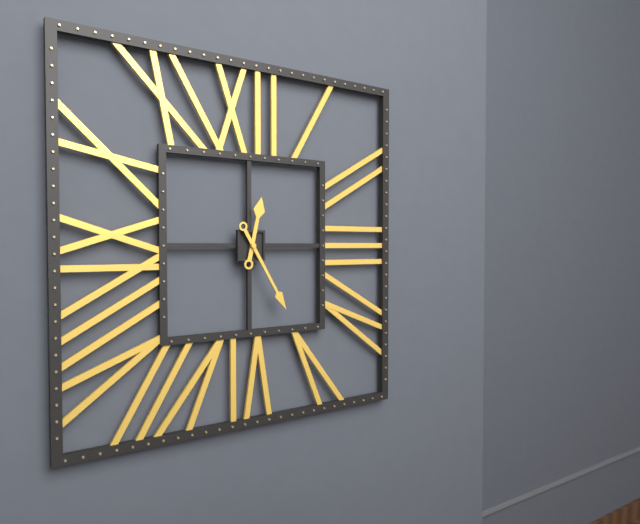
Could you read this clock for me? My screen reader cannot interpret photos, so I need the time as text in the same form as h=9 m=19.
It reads h=12 m=25
